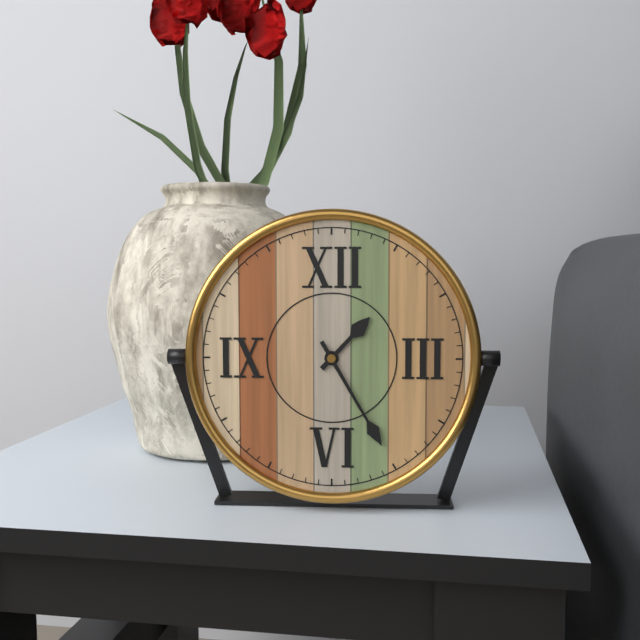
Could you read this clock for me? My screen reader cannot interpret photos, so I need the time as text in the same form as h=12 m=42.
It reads h=1 m=25
